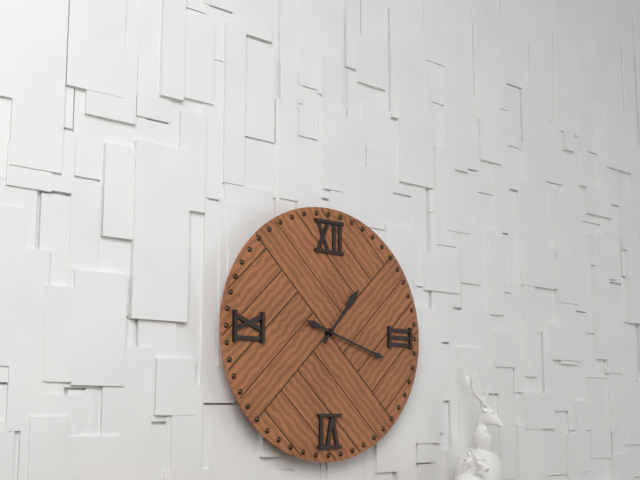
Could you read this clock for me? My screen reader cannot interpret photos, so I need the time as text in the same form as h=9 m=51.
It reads h=1 m=18
